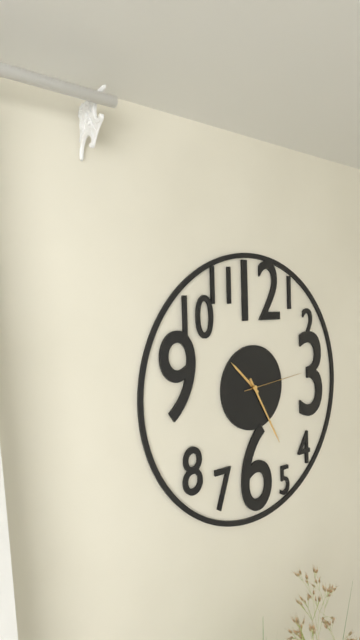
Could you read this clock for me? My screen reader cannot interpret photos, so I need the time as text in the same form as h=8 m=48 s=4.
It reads h=10 m=25 s=14
